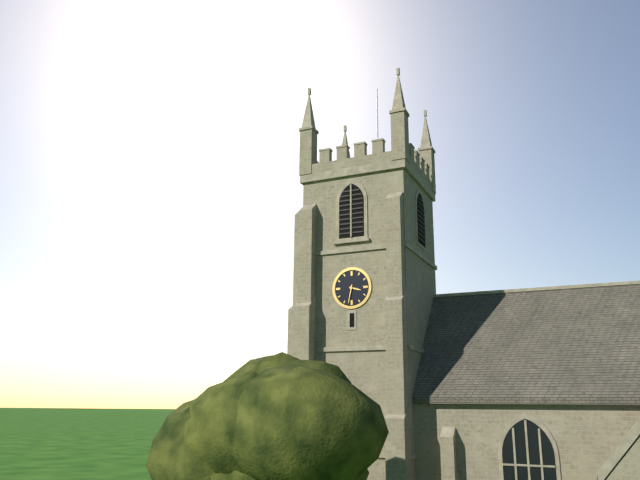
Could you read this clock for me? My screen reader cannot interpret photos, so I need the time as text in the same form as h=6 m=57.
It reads h=3 m=32
